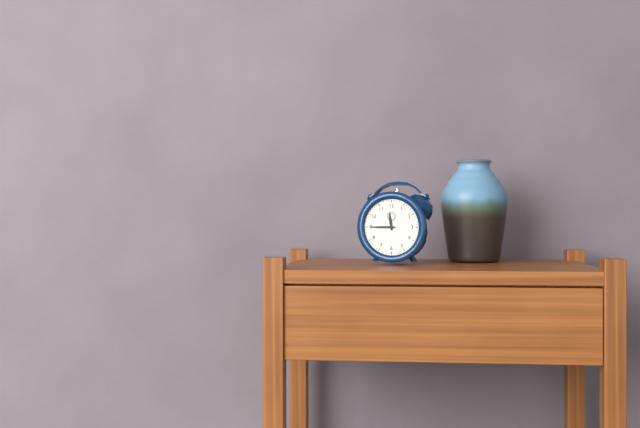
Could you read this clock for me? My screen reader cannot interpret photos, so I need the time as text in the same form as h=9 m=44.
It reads h=11 m=45
